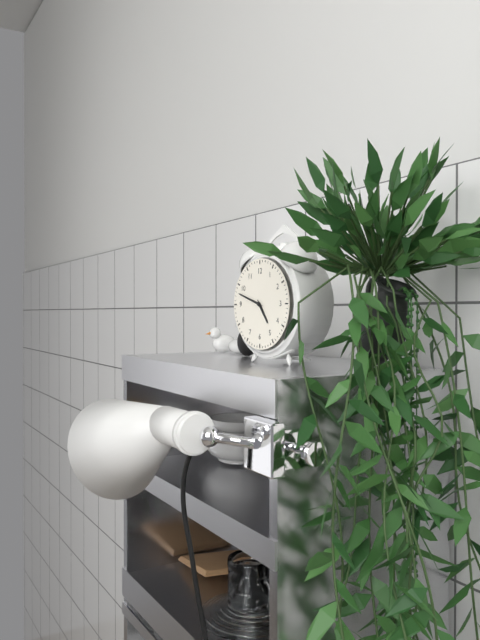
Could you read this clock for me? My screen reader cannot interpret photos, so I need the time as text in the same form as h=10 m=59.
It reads h=4 m=48
